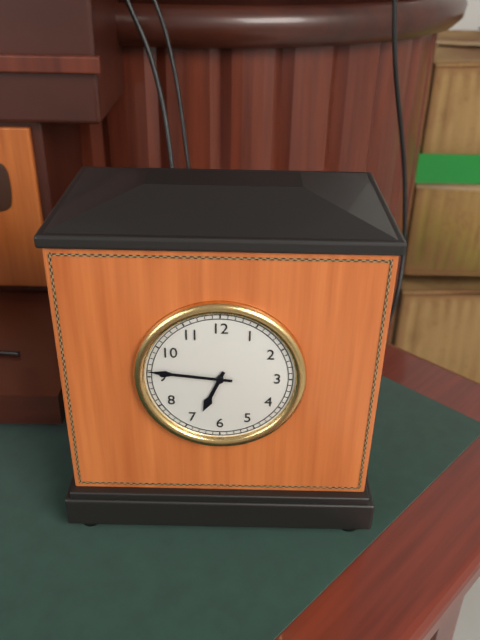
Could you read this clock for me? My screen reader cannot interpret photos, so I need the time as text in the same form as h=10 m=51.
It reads h=6 m=46
